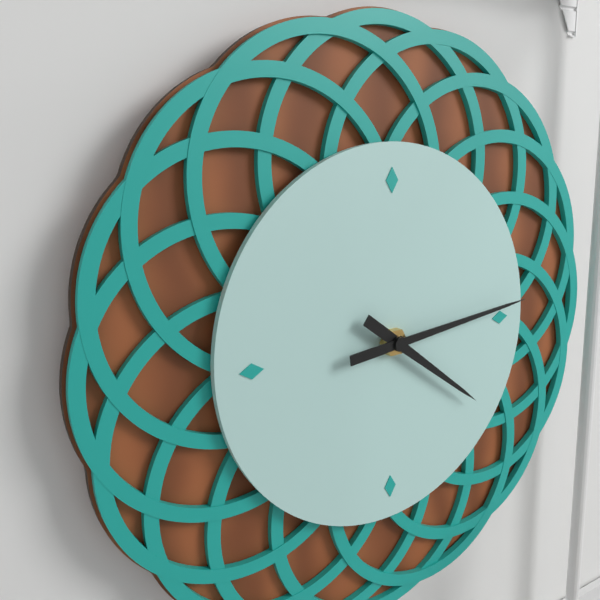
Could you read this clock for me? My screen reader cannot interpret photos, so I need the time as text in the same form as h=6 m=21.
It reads h=4 m=14
